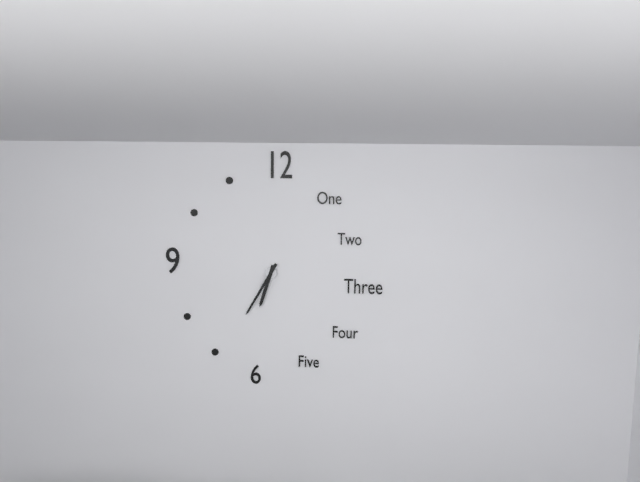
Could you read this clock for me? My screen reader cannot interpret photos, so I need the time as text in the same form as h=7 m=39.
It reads h=6 m=35
